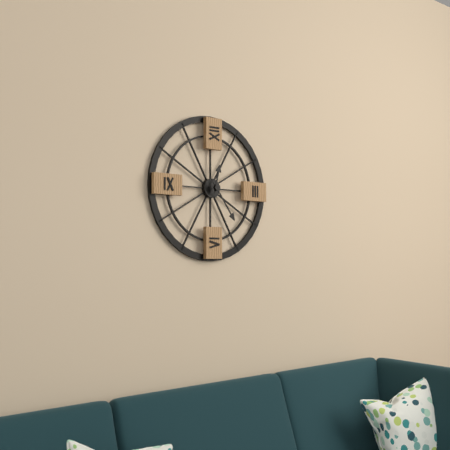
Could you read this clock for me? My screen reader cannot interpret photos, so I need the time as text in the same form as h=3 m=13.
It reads h=12 m=24
